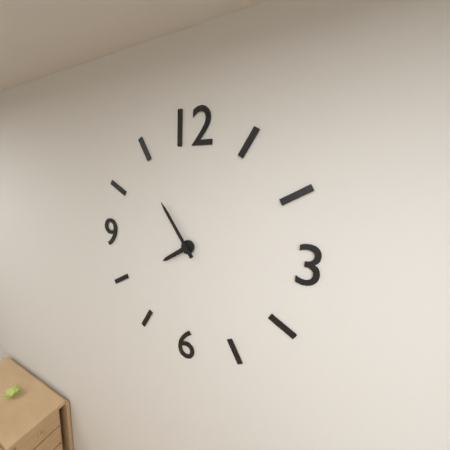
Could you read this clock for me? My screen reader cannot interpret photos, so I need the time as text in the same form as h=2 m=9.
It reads h=7 m=54
